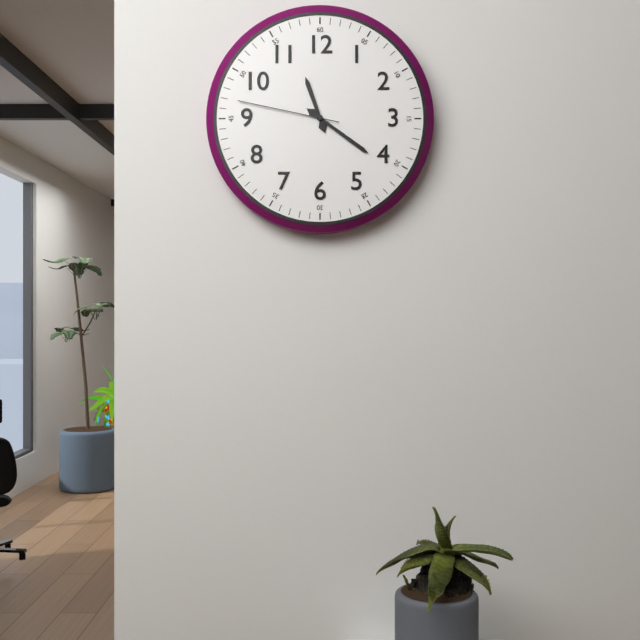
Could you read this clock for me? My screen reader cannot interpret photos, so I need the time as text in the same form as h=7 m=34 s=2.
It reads h=11 m=21 s=47
